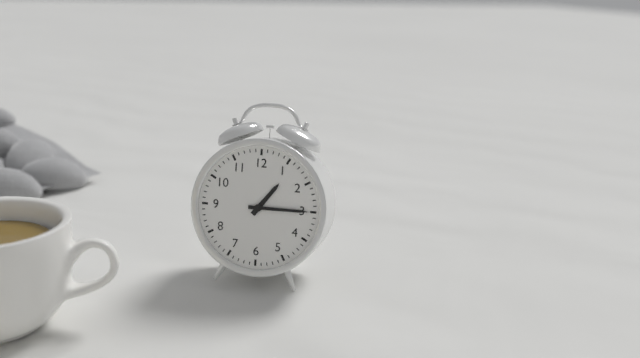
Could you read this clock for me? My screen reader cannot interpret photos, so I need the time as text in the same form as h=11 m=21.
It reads h=1 m=15
